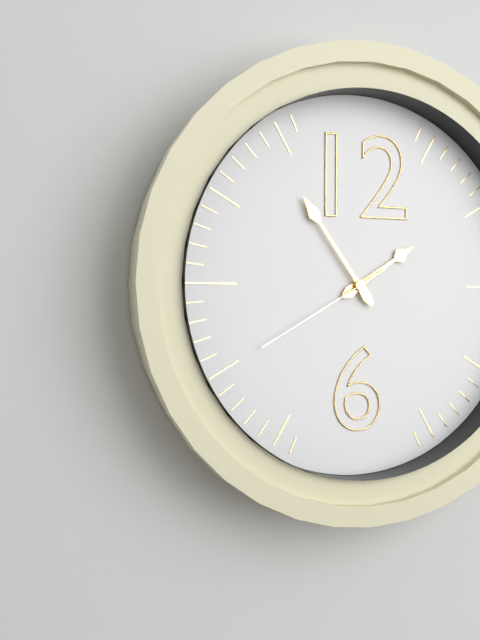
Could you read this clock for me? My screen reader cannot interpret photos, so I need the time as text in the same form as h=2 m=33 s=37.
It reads h=1 m=54 s=40
